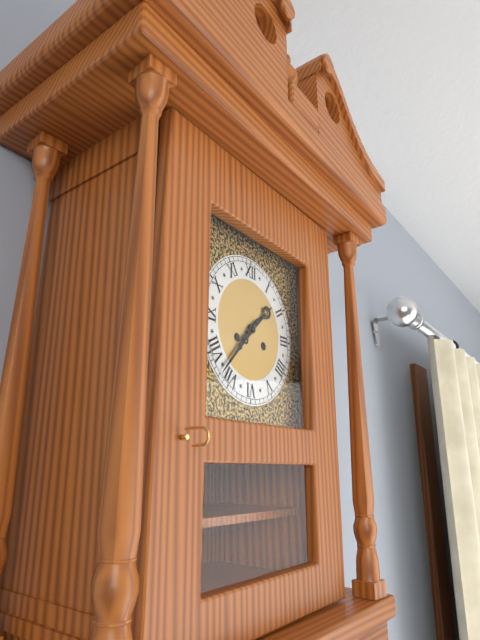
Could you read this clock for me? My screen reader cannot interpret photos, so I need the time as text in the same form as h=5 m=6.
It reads h=1 m=37
